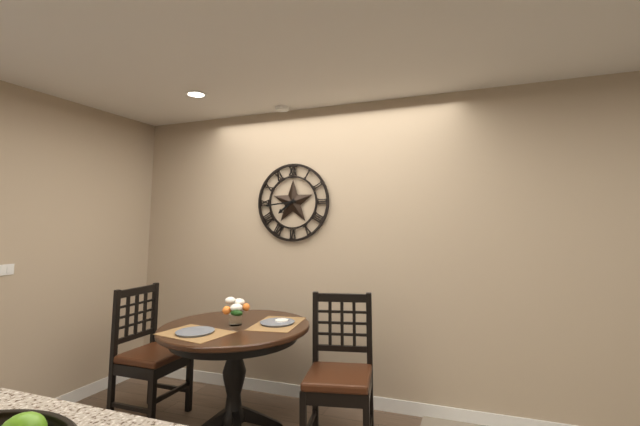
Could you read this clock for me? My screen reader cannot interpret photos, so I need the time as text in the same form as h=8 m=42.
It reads h=7 m=44
